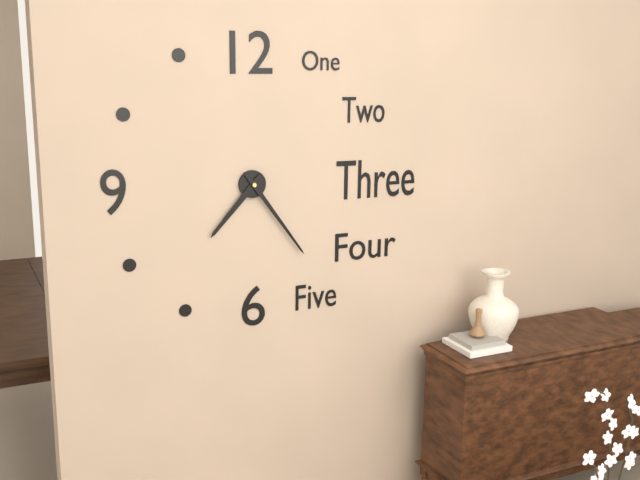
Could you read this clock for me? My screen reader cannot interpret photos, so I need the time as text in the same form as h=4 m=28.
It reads h=7 m=24
